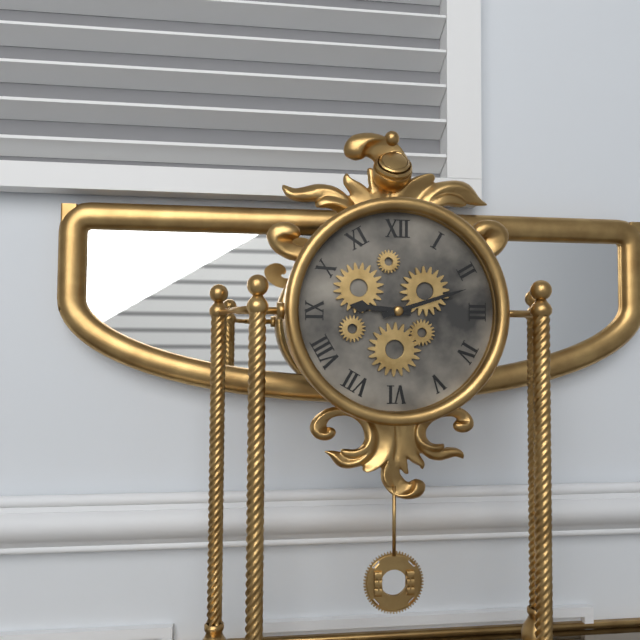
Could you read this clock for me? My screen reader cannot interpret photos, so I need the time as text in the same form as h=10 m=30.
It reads h=9 m=12
